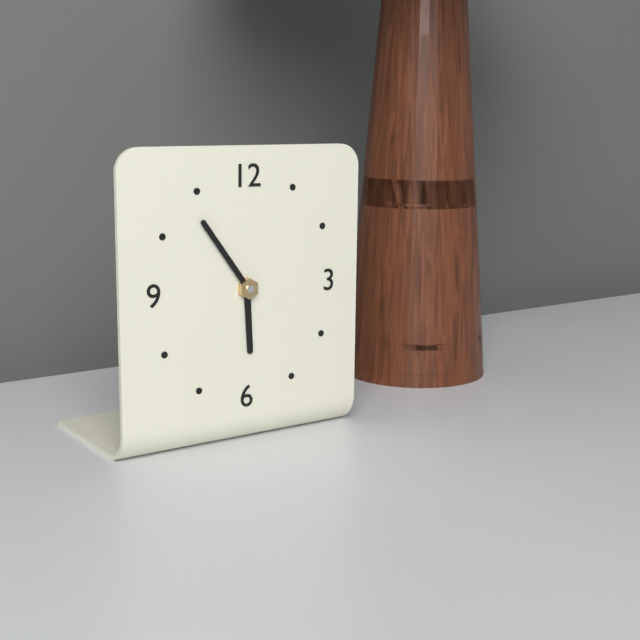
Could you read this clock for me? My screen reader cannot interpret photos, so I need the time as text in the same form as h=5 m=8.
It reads h=5 m=54
